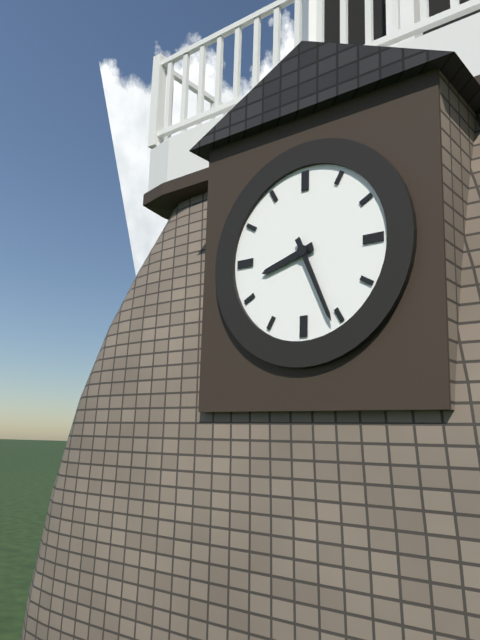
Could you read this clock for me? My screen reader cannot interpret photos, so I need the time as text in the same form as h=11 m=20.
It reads h=8 m=26
